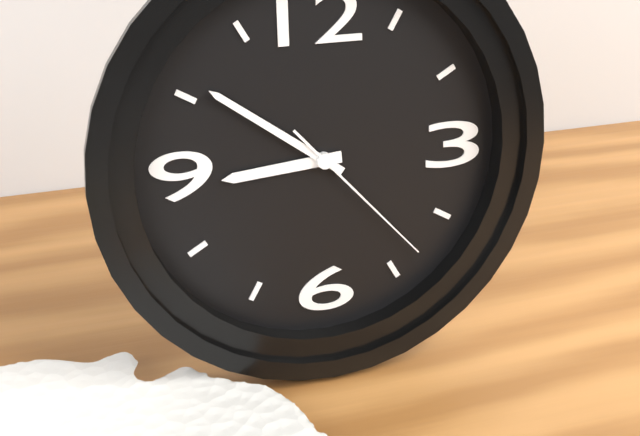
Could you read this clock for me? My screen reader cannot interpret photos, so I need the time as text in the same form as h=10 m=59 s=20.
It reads h=8 m=51 s=23
